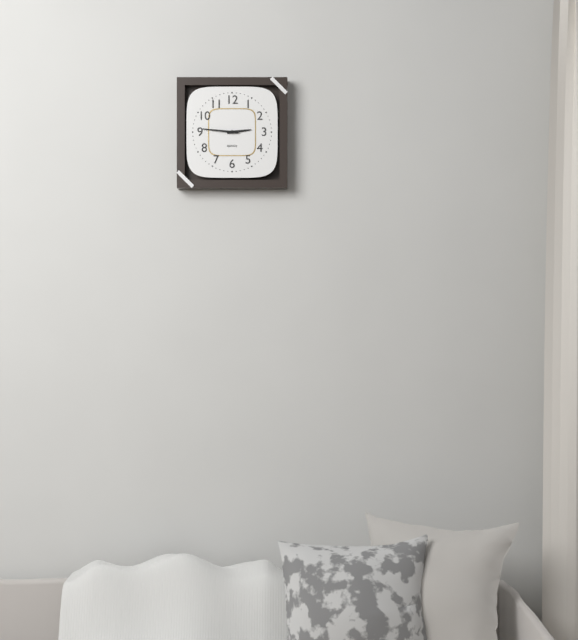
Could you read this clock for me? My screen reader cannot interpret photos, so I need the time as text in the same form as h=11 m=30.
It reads h=2 m=46
